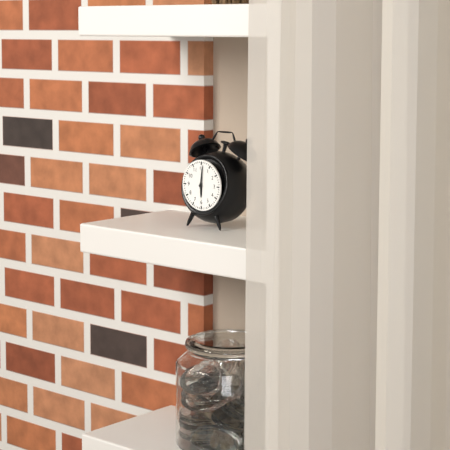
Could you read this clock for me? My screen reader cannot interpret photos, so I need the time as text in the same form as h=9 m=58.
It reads h=6 m=1
